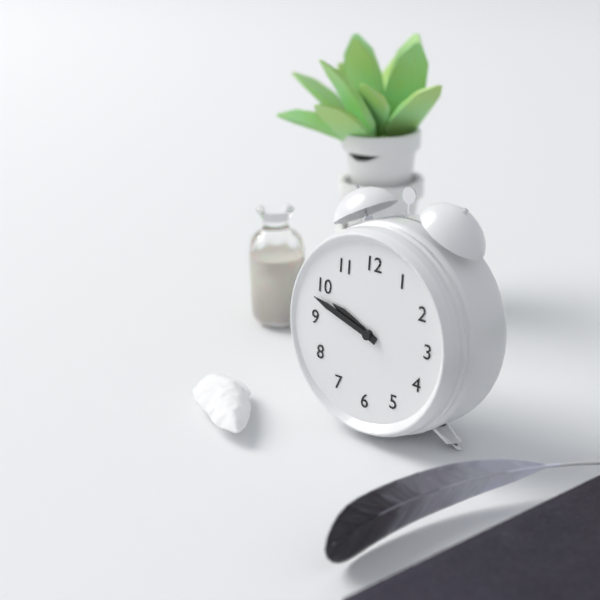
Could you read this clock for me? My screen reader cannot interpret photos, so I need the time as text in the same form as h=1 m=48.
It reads h=9 m=48
